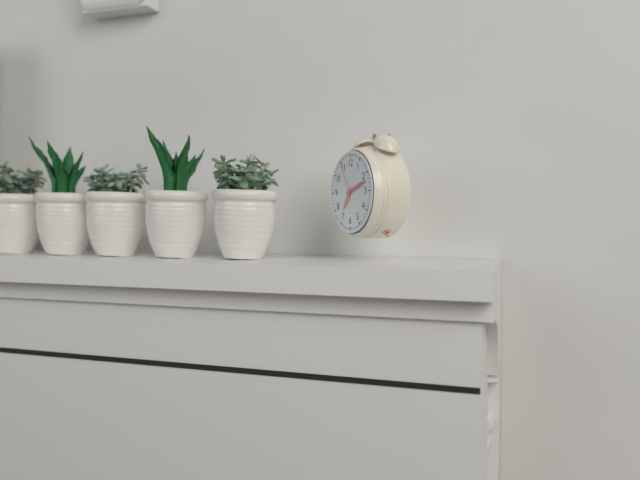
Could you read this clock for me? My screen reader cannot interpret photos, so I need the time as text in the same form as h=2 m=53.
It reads h=7 m=12
